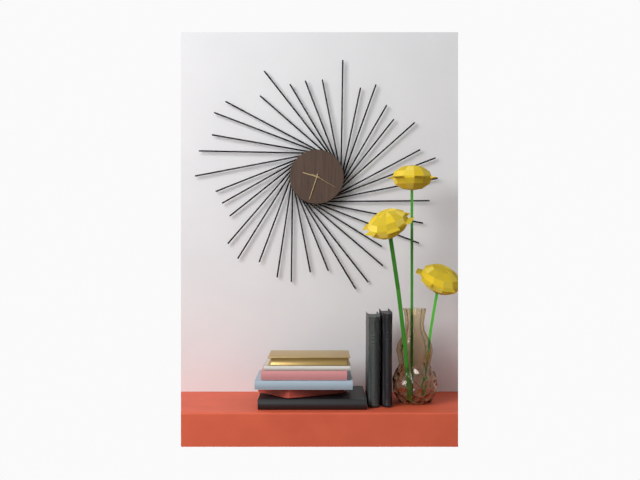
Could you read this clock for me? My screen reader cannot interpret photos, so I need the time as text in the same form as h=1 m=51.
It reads h=9 m=33
